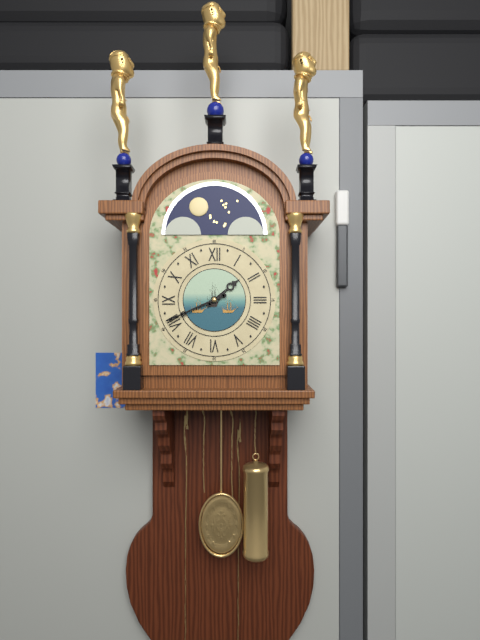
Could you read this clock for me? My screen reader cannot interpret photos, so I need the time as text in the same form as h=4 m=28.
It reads h=1 m=41
